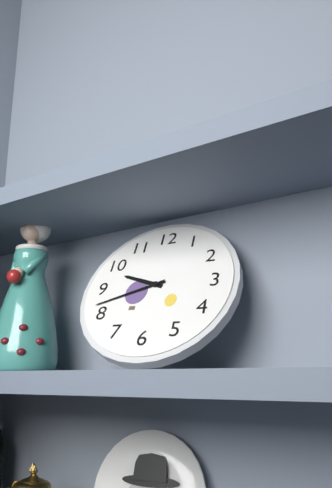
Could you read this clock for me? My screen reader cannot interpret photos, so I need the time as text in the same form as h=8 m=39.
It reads h=9 m=42
